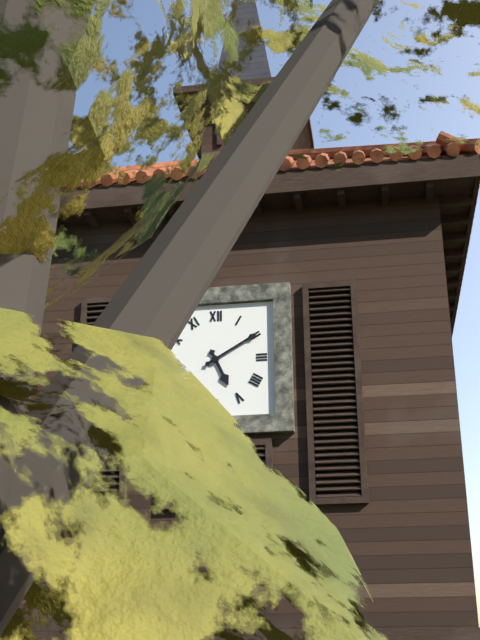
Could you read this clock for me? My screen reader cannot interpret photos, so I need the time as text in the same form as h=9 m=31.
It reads h=5 m=10
